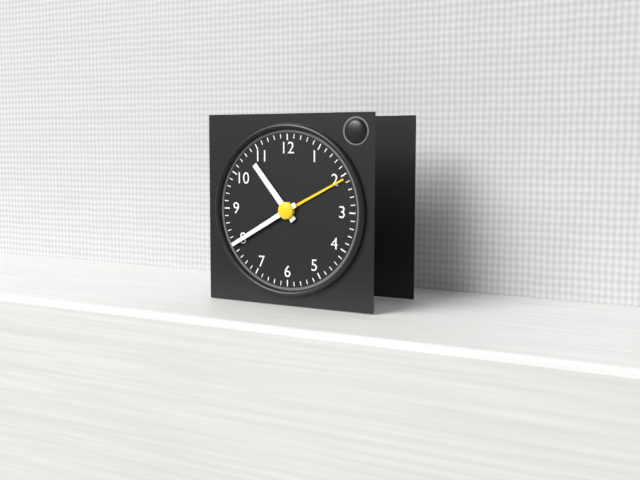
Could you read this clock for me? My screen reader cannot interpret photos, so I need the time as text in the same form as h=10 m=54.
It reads h=10 m=40
